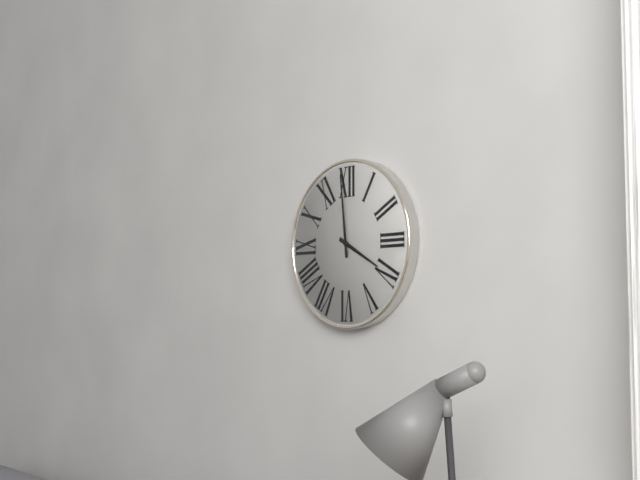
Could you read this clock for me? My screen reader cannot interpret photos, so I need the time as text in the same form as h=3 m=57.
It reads h=3 m=59
